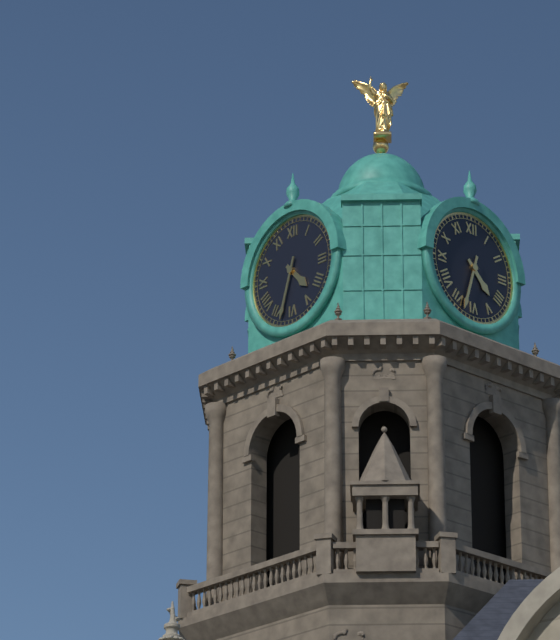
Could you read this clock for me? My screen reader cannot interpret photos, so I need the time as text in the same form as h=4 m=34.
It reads h=4 m=33
